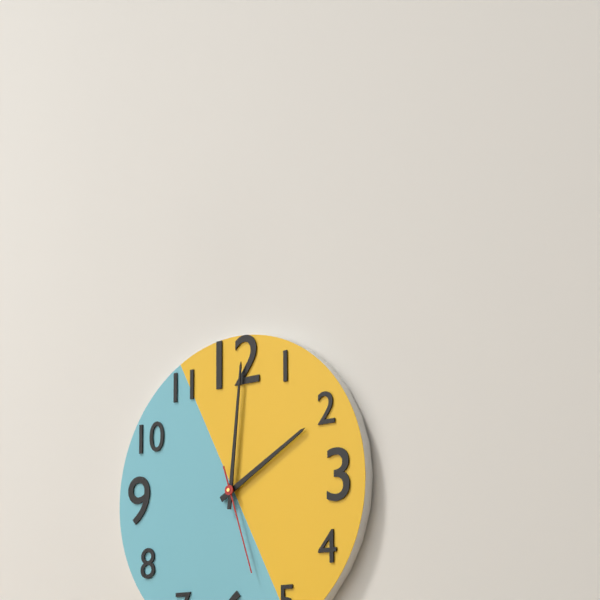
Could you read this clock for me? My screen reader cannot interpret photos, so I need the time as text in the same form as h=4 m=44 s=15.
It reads h=2 m=1 s=27
